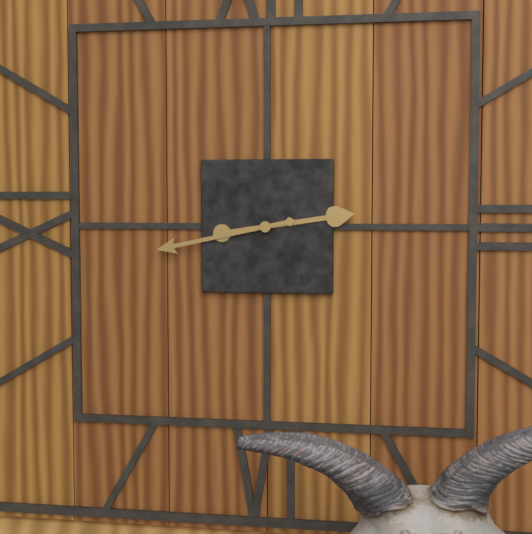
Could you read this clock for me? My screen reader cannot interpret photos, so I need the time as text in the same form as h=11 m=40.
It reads h=2 m=43
